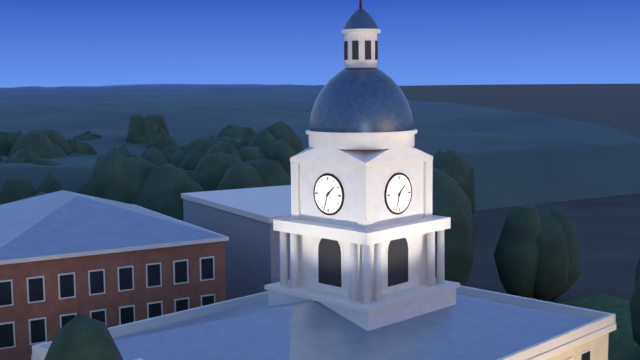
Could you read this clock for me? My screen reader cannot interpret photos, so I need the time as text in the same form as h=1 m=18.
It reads h=1 m=33
